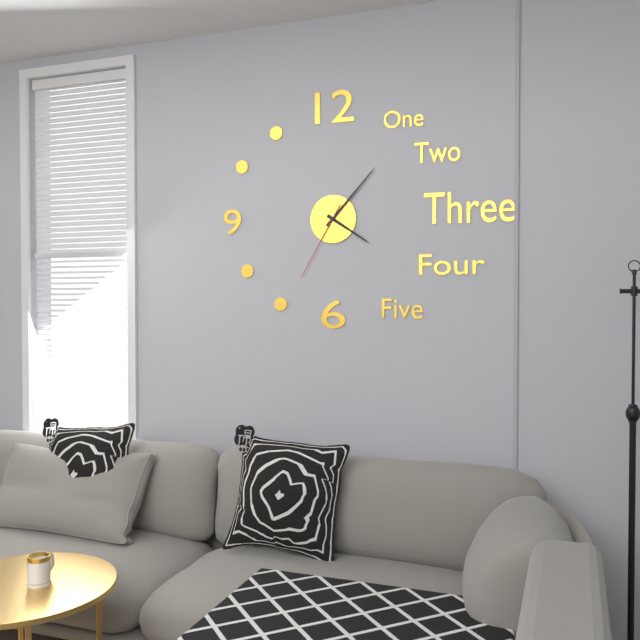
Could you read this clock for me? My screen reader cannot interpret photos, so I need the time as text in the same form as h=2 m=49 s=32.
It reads h=4 m=7 s=35
